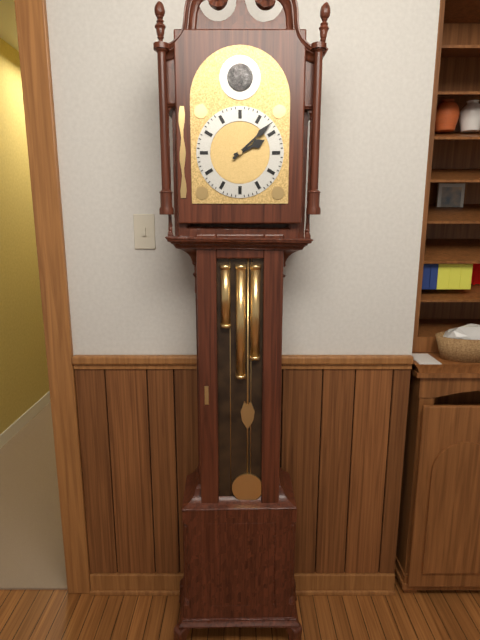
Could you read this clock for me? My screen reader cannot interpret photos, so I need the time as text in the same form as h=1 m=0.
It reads h=2 m=8
